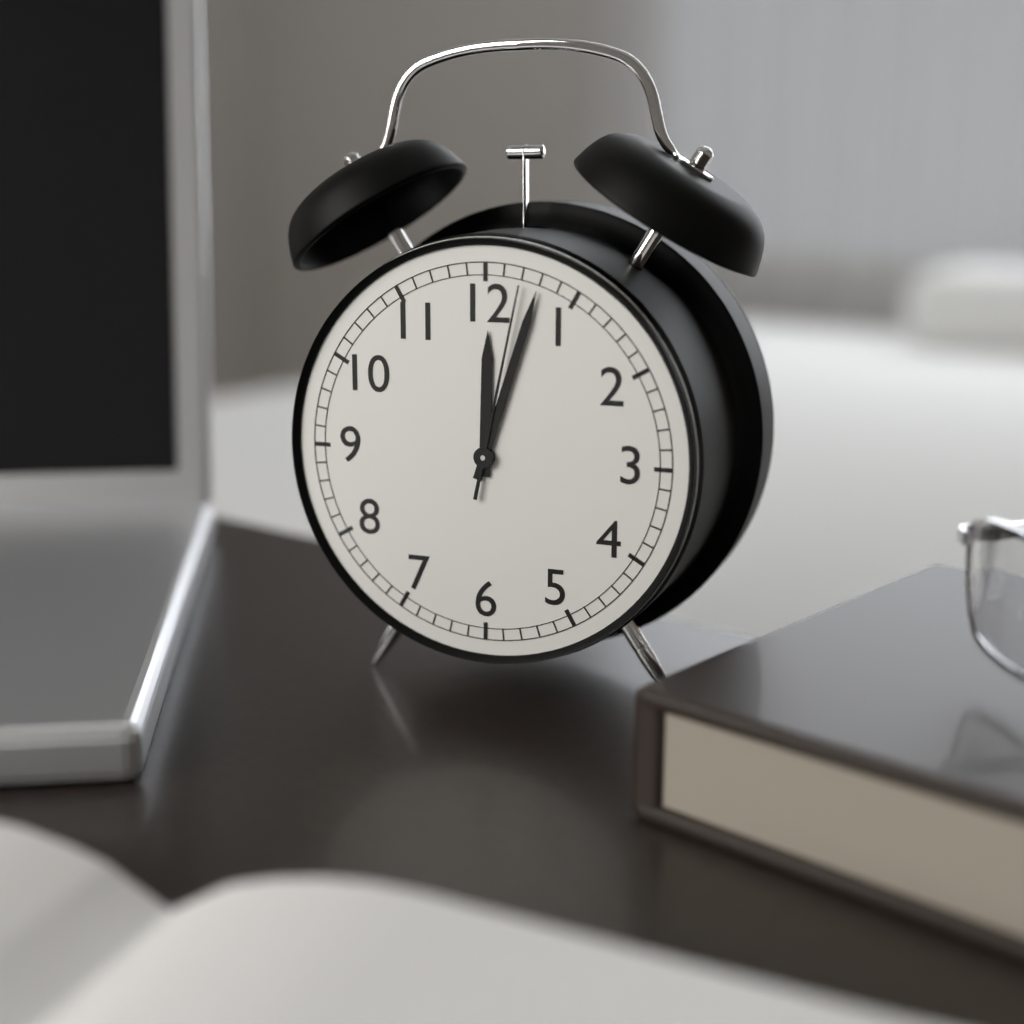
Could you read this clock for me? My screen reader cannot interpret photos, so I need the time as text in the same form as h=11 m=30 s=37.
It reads h=12 m=3 s=2
